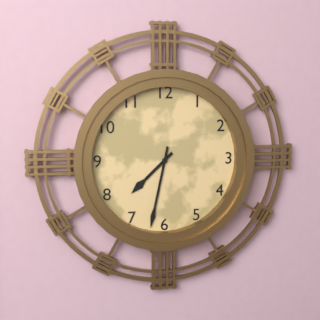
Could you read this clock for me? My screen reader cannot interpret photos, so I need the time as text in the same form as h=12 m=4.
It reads h=7 m=32
